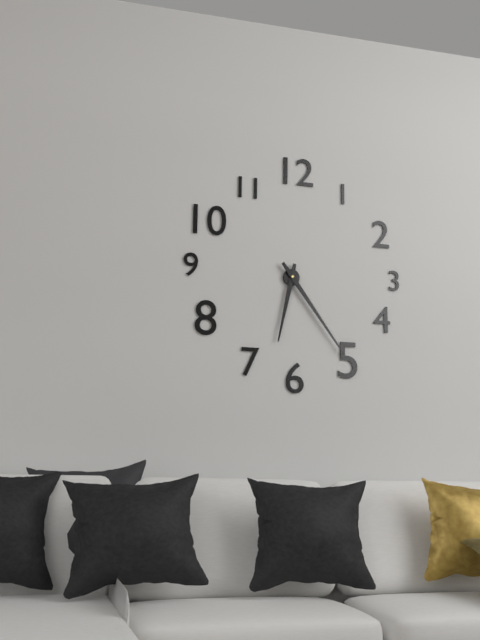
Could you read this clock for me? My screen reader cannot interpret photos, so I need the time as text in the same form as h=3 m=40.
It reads h=6 m=24
